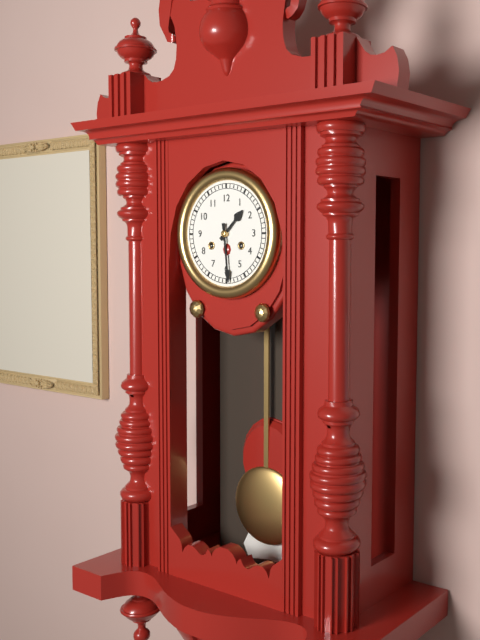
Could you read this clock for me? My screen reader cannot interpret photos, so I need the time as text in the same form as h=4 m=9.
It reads h=1 m=29
